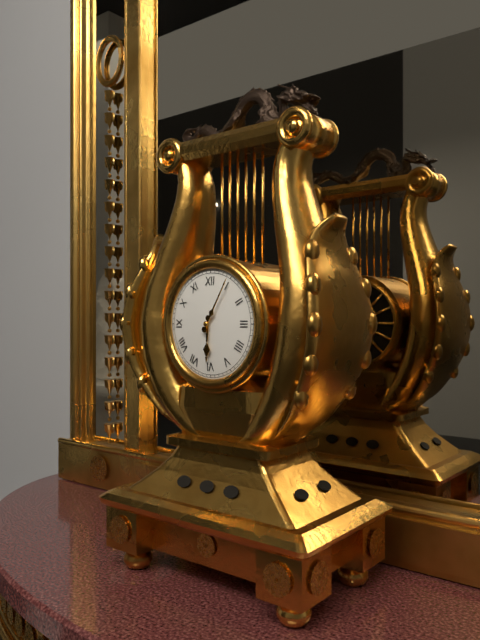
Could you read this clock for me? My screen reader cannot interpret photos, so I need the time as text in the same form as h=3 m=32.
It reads h=6 m=5
